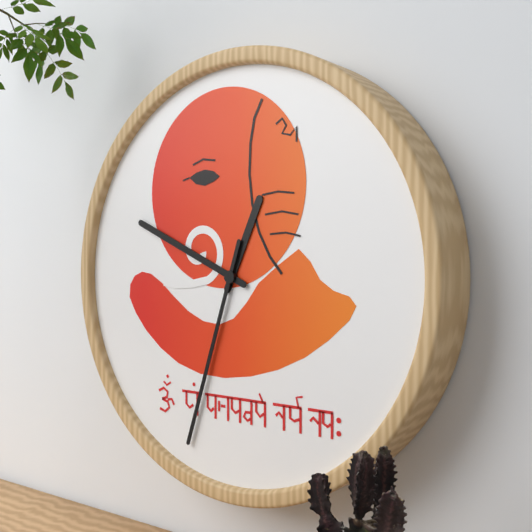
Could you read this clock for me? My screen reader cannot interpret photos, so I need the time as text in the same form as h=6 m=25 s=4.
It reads h=12 m=49 s=33
